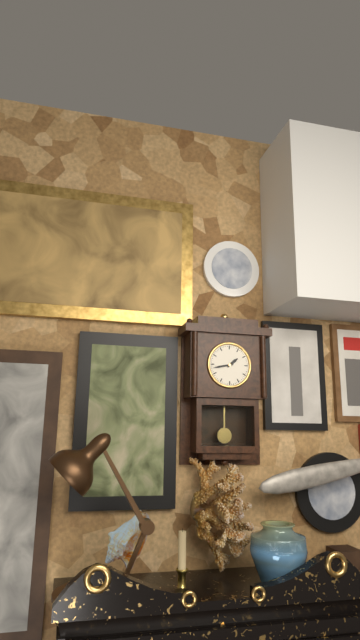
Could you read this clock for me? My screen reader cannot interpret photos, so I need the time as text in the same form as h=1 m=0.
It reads h=1 m=43
